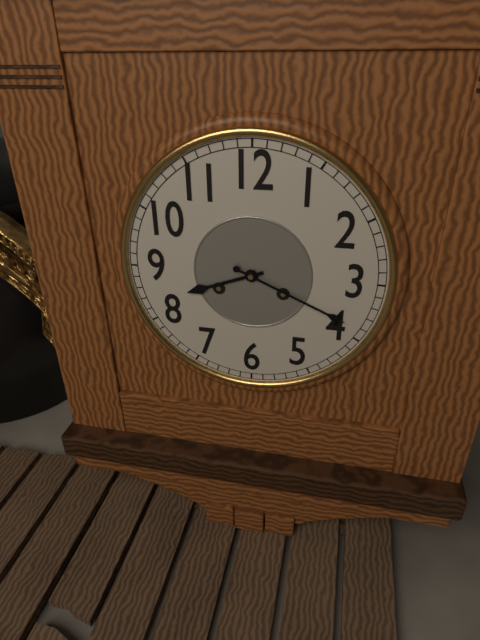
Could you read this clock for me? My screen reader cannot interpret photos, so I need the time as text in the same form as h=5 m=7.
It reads h=8 m=19
